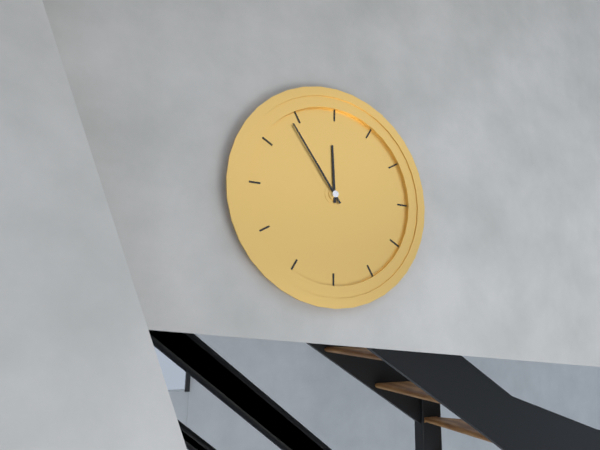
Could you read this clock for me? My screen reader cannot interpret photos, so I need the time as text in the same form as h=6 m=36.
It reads h=11 m=54
